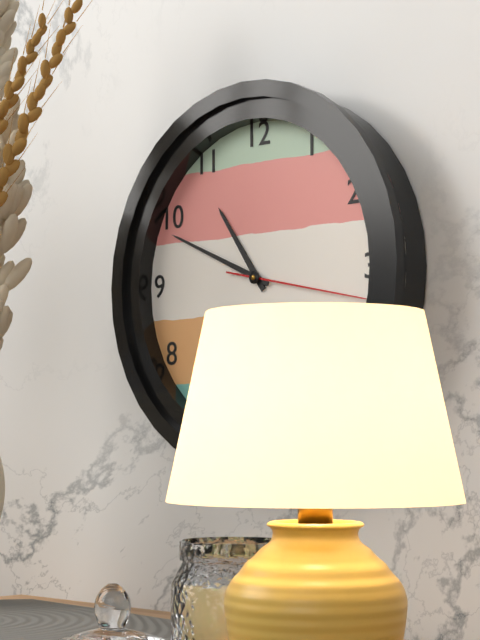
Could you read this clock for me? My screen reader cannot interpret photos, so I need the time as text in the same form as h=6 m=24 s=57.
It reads h=10 m=49 s=17
